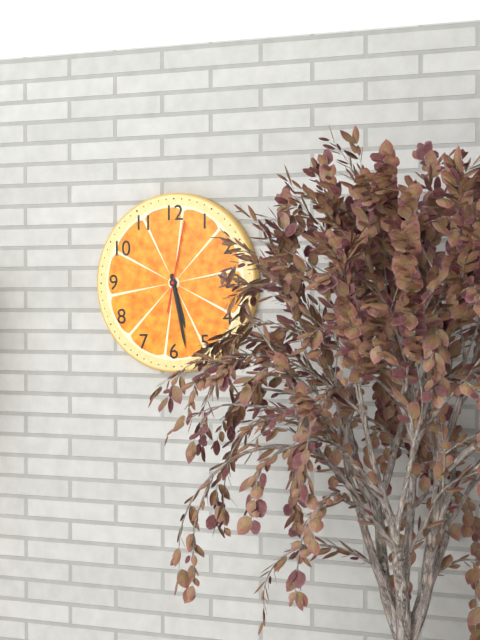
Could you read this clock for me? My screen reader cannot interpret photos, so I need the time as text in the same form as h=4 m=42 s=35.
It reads h=5 m=28 s=2
